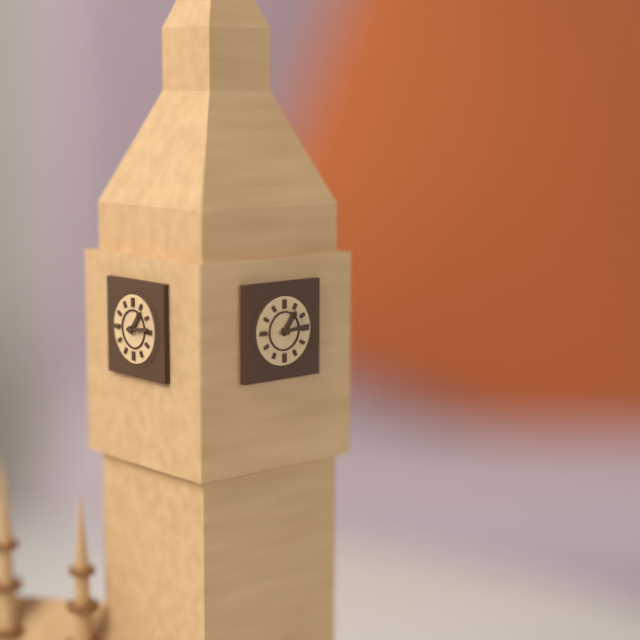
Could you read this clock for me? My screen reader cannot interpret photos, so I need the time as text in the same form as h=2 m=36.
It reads h=1 m=14
